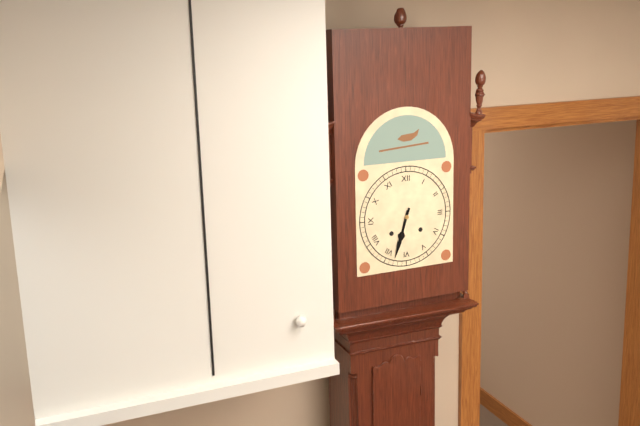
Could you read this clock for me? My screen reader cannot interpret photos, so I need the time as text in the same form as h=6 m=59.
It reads h=6 m=33
